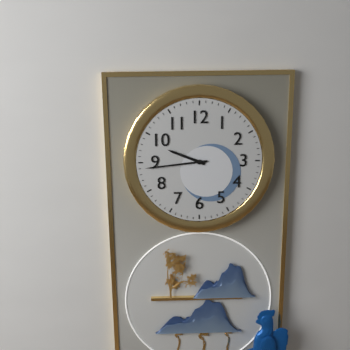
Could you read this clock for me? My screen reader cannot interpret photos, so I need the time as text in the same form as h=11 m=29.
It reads h=9 m=44
